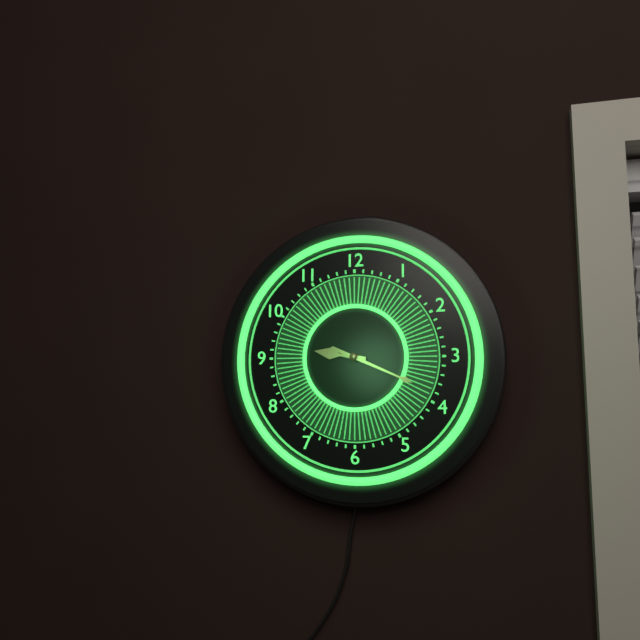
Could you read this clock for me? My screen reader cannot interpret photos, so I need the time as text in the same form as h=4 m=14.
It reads h=9 m=19
